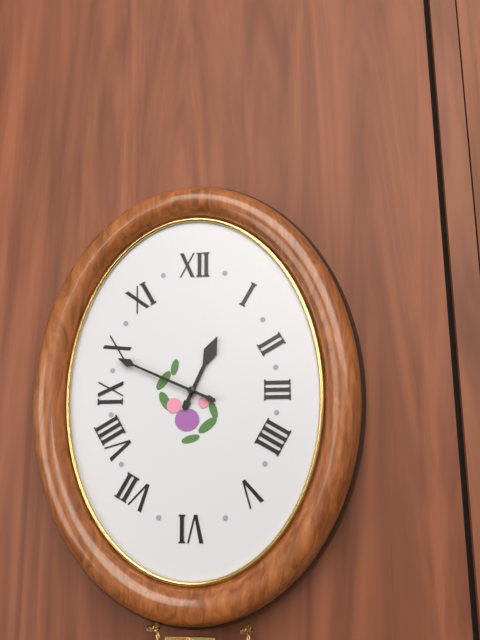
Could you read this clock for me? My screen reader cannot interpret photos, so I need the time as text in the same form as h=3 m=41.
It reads h=12 m=49
